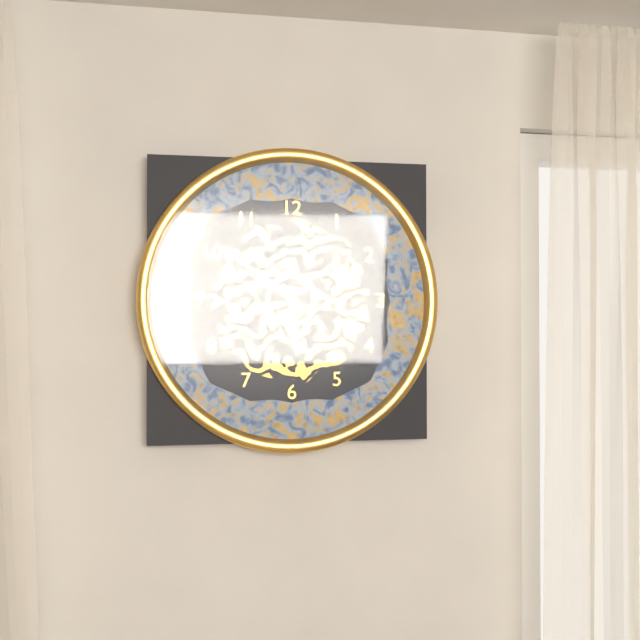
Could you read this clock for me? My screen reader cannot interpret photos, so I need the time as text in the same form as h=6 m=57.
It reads h=5 m=51
